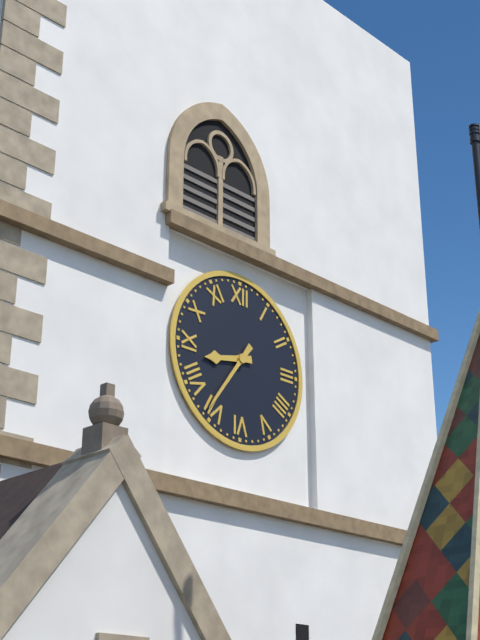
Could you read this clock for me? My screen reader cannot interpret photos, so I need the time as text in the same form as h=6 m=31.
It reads h=8 m=36
